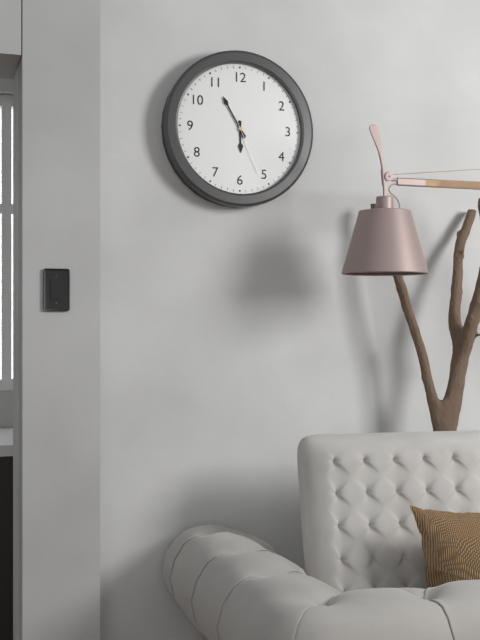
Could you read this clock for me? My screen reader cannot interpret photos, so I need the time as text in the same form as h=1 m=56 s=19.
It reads h=5 m=55 s=26
